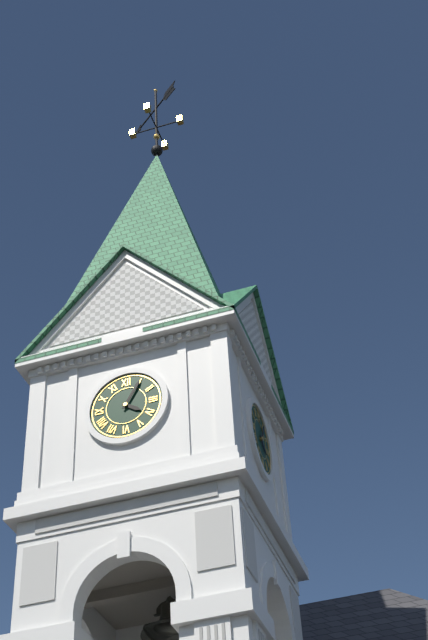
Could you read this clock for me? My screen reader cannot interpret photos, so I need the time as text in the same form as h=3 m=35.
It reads h=4 m=5
